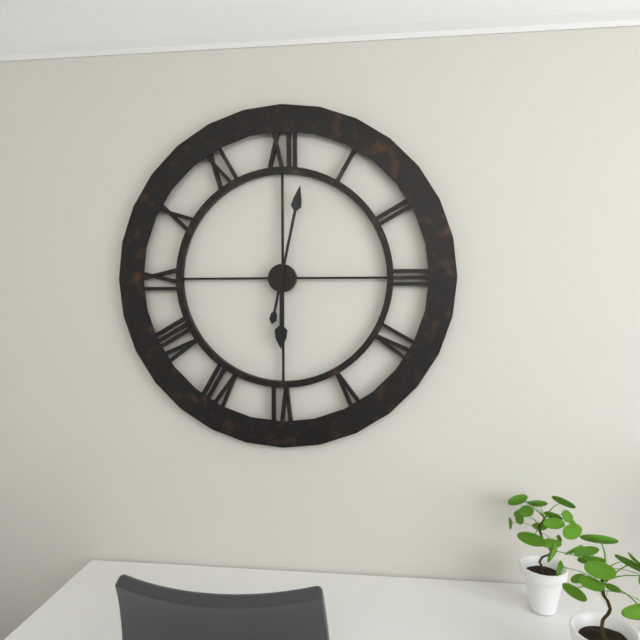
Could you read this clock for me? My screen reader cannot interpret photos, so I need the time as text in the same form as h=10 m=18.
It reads h=6 m=2
